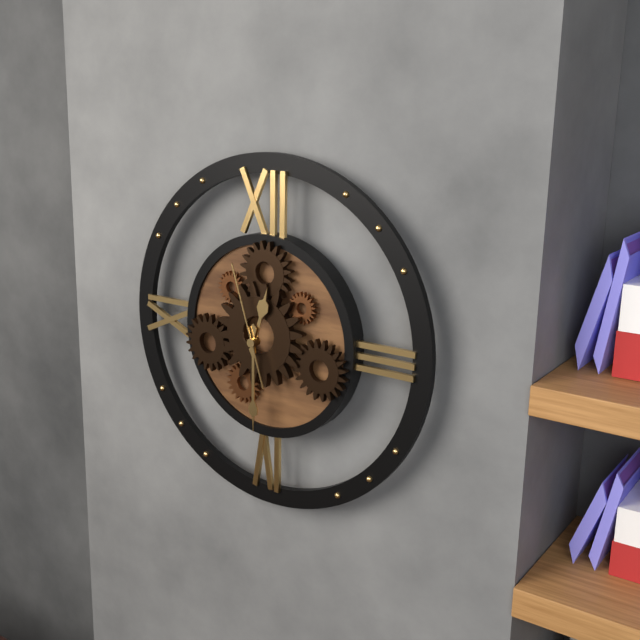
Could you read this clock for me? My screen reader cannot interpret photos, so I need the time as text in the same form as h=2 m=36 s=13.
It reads h=12 m=30 s=57
